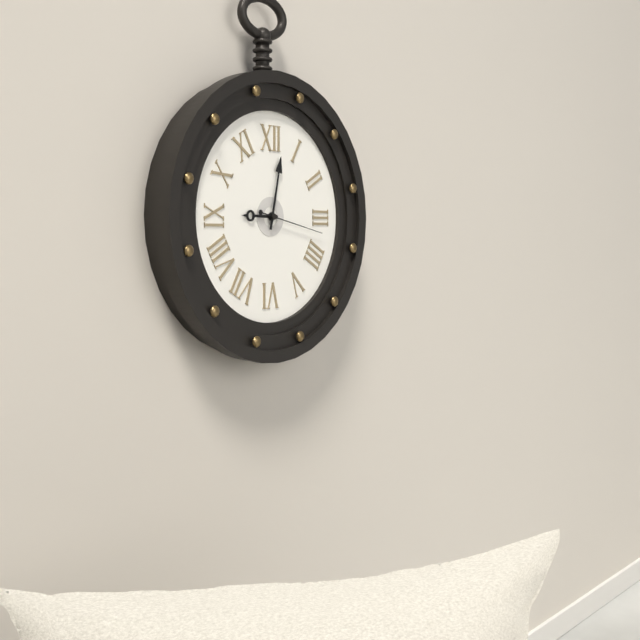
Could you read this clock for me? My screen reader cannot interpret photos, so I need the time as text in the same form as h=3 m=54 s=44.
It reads h=9 m=2 s=17
